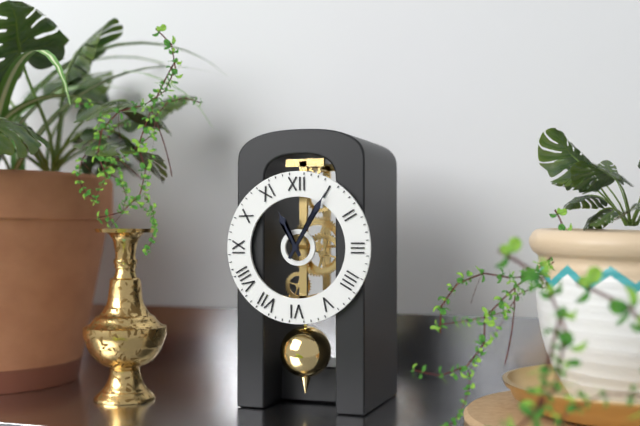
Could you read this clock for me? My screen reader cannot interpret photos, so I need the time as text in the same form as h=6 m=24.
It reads h=11 m=5
